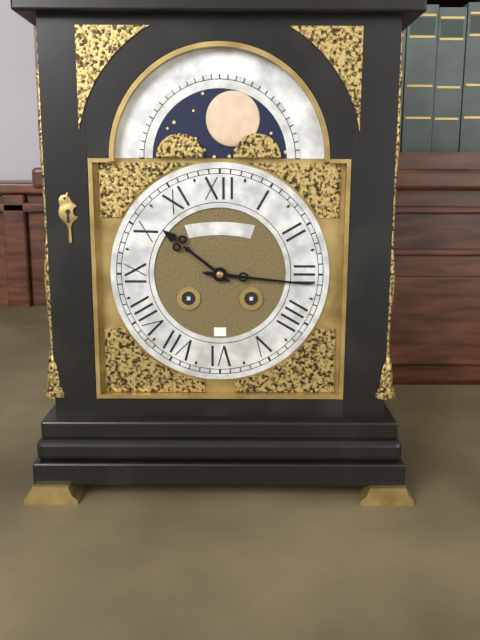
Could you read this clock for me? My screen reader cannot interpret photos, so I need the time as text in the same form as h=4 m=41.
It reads h=10 m=16
